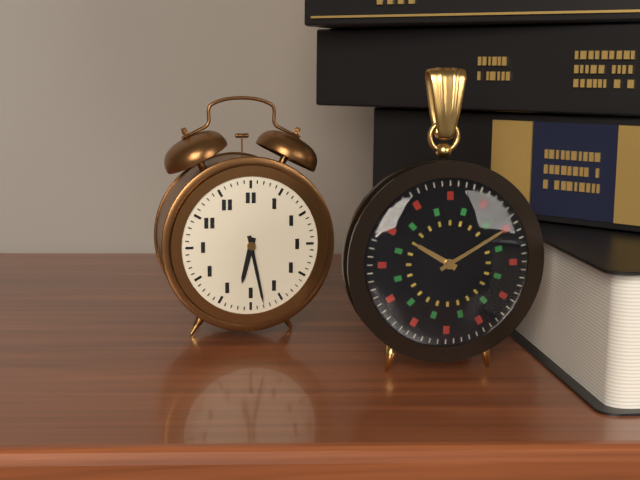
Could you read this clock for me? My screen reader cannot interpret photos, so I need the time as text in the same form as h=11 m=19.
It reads h=6 m=28
